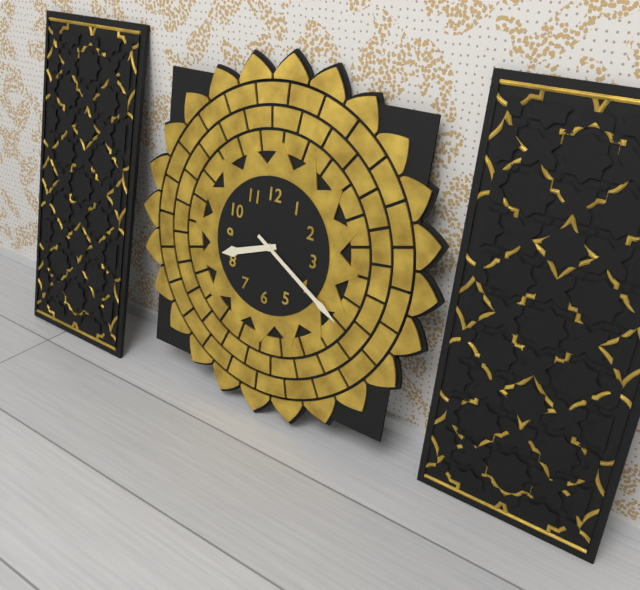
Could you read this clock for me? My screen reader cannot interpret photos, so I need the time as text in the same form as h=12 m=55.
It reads h=8 m=20
